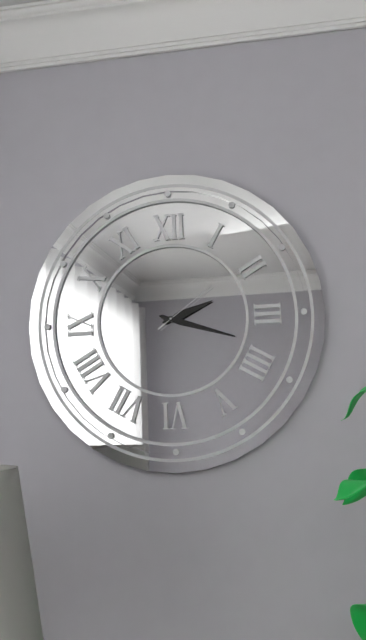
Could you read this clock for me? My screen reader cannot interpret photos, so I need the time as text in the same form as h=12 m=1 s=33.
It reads h=2 m=18 s=9
